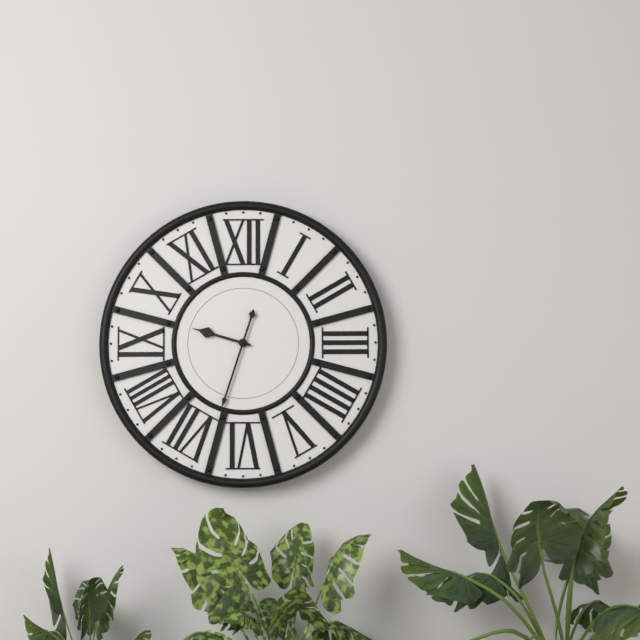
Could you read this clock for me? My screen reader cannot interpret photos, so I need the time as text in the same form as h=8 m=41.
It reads h=9 m=33
